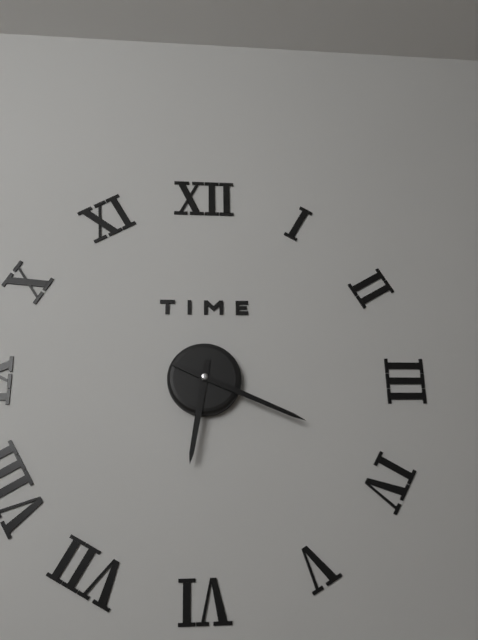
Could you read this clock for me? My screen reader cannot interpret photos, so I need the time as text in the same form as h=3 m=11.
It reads h=6 m=19
